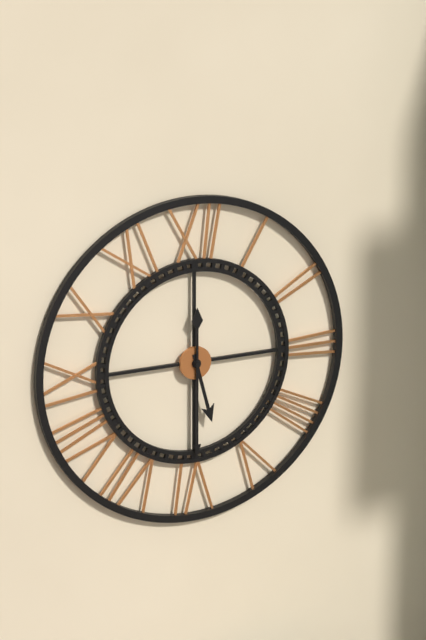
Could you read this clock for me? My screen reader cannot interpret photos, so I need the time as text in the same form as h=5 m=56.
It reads h=5 m=30
